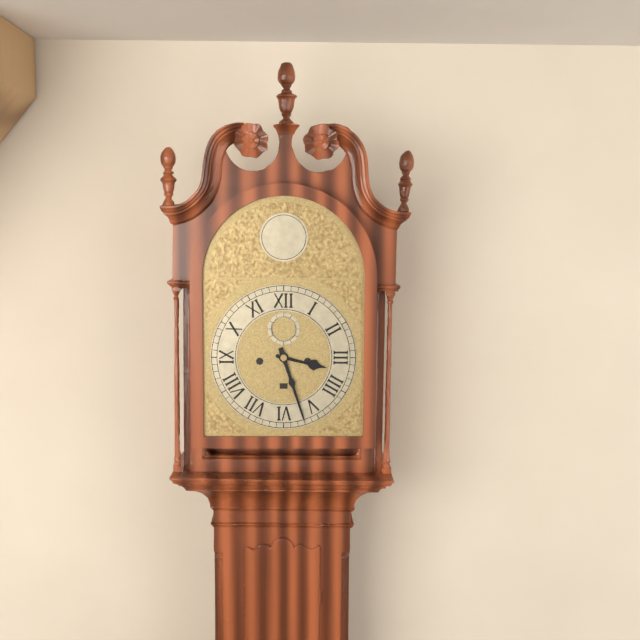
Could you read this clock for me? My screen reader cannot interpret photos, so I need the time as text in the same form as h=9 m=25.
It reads h=3 m=27
